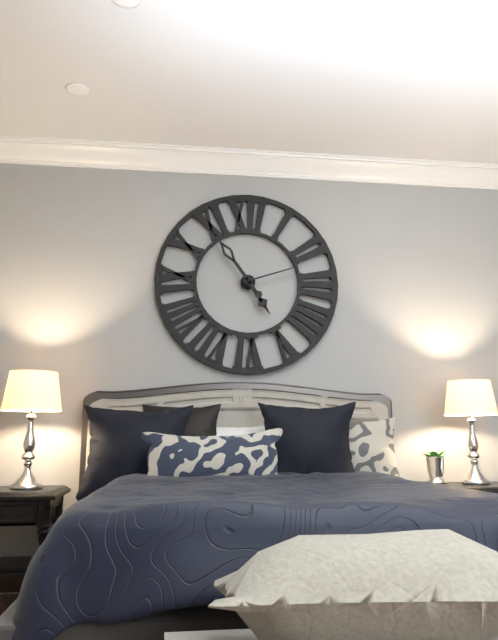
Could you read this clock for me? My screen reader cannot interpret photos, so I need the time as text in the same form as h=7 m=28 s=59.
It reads h=4 m=54 s=12
